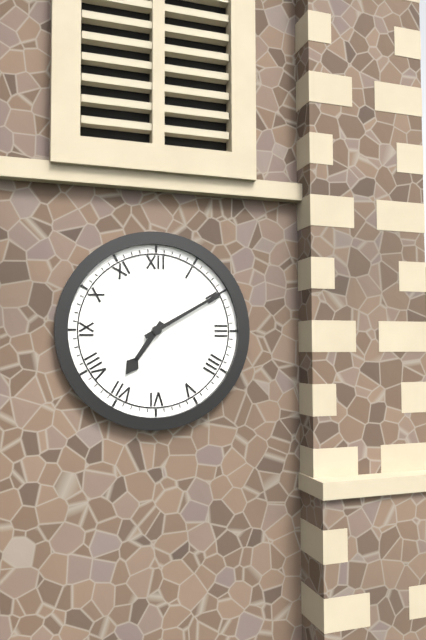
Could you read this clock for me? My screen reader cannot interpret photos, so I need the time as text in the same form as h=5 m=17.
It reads h=7 m=10
